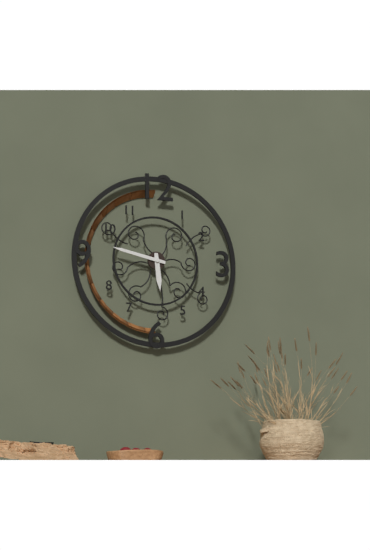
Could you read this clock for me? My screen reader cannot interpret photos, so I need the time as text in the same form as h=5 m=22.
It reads h=5 m=47
